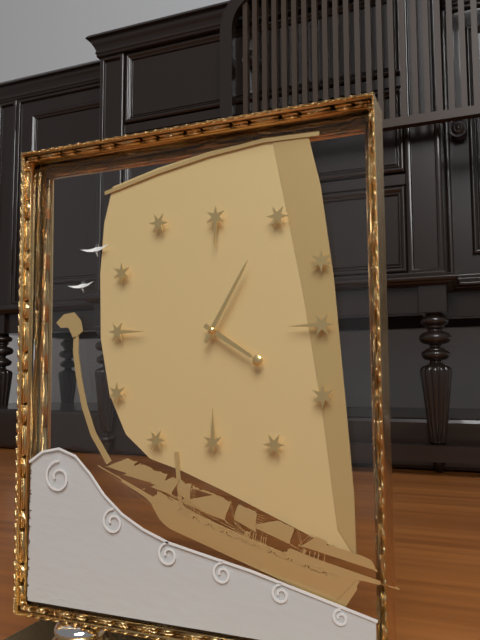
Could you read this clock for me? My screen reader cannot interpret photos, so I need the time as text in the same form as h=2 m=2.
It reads h=4 m=5
